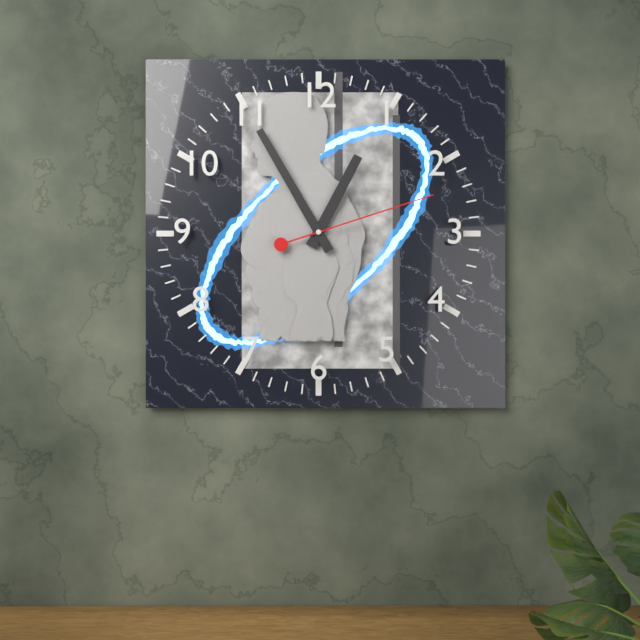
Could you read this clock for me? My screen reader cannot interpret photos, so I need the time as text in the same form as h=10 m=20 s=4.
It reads h=12 m=55 s=12
